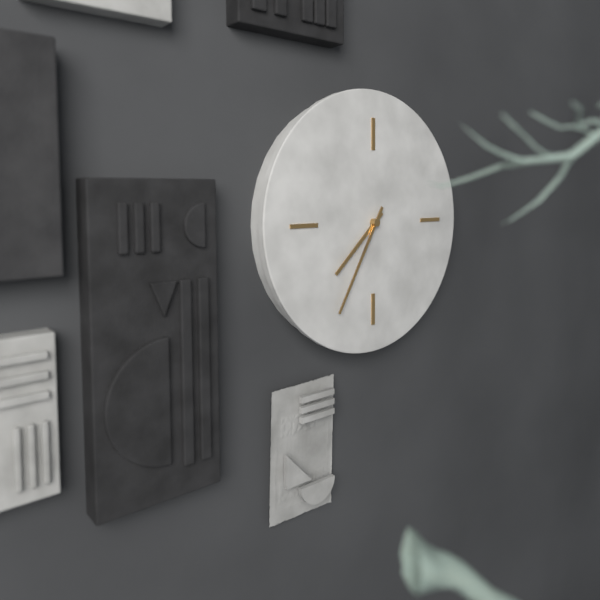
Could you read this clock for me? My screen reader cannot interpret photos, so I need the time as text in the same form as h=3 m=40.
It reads h=7 m=35
